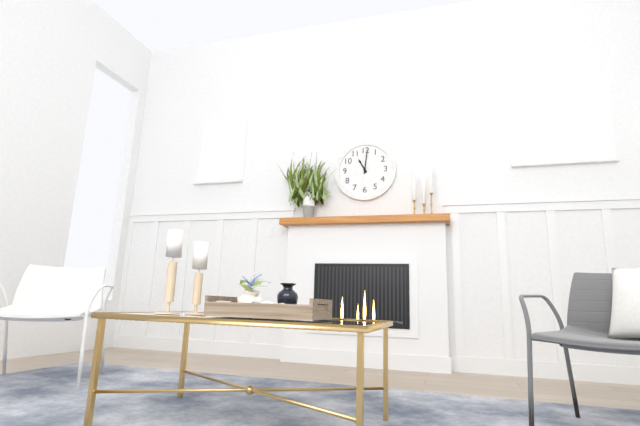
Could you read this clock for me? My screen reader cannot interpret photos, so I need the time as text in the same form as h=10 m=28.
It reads h=11 m=1
